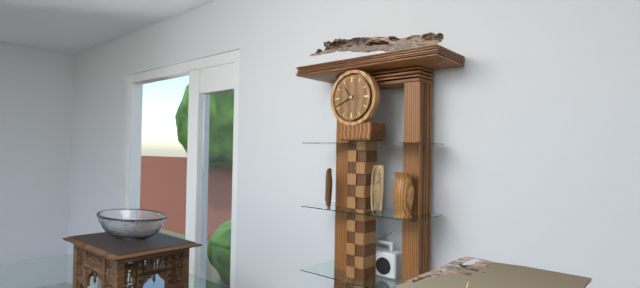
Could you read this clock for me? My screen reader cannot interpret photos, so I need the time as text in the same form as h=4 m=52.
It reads h=10 m=41
